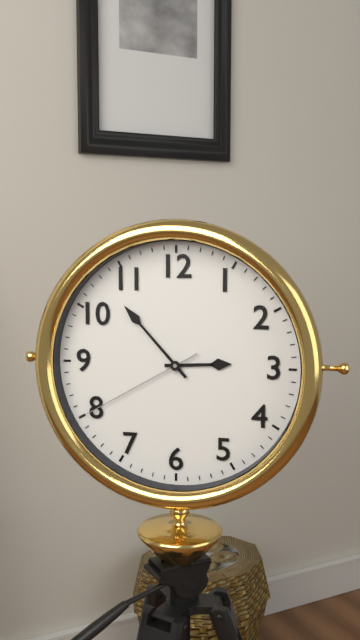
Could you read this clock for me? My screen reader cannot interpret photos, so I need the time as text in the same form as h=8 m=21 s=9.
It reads h=2 m=53 s=40
